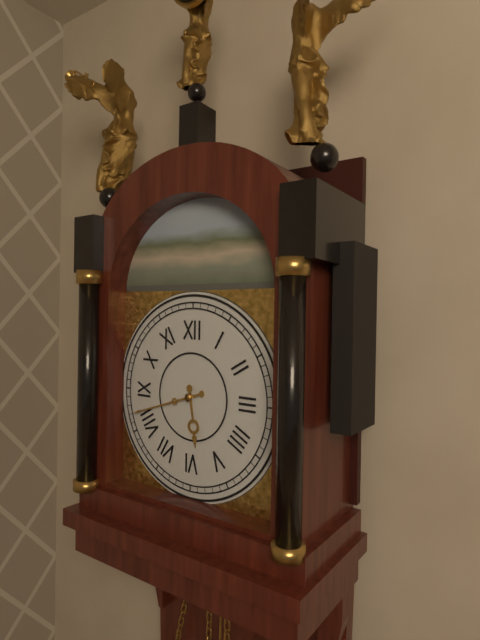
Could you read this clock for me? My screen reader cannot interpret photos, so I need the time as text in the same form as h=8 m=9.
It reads h=5 m=42
